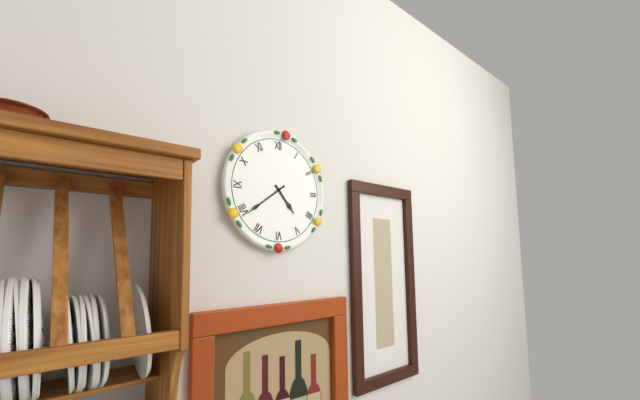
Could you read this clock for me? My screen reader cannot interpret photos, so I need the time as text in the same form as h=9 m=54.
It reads h=4 m=39
